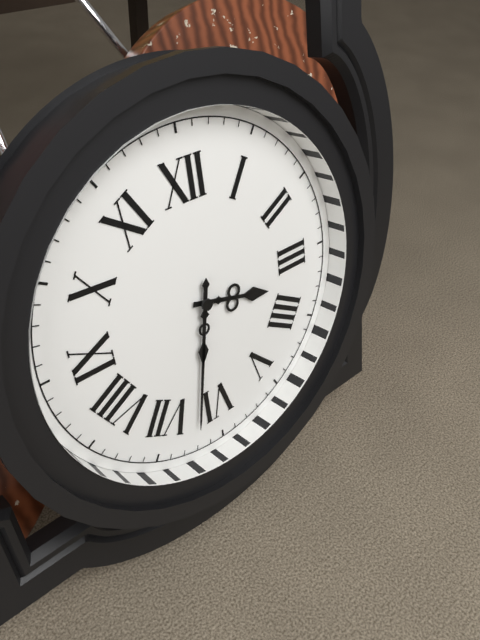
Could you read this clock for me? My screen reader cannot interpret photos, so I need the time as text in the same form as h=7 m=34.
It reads h=3 m=32
